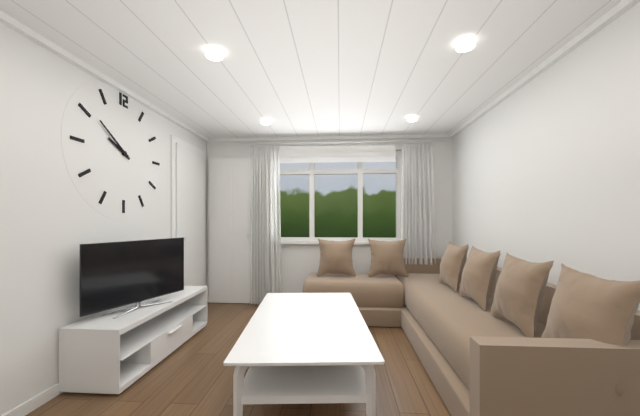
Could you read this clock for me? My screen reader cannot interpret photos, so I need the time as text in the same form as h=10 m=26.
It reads h=9 m=51
